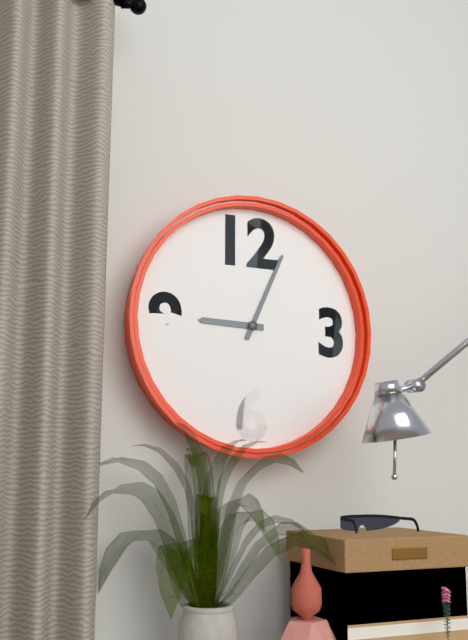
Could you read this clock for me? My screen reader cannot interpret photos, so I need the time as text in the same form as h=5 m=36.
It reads h=9 m=4
